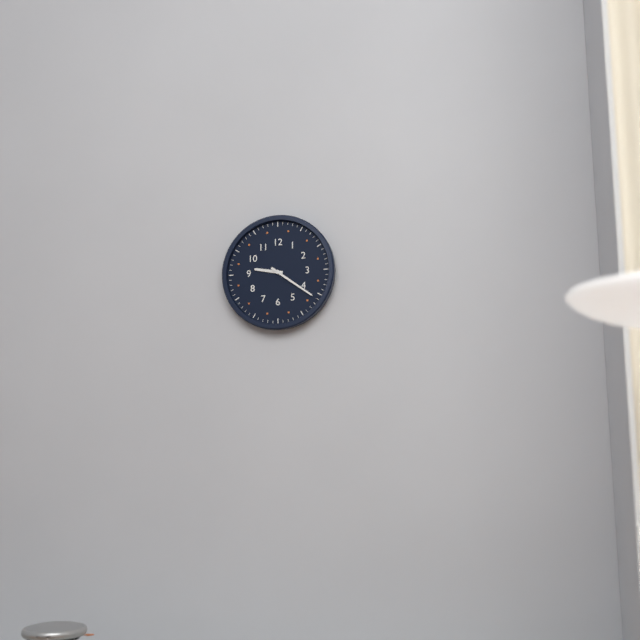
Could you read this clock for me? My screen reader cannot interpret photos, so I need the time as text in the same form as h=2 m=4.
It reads h=9 m=21
